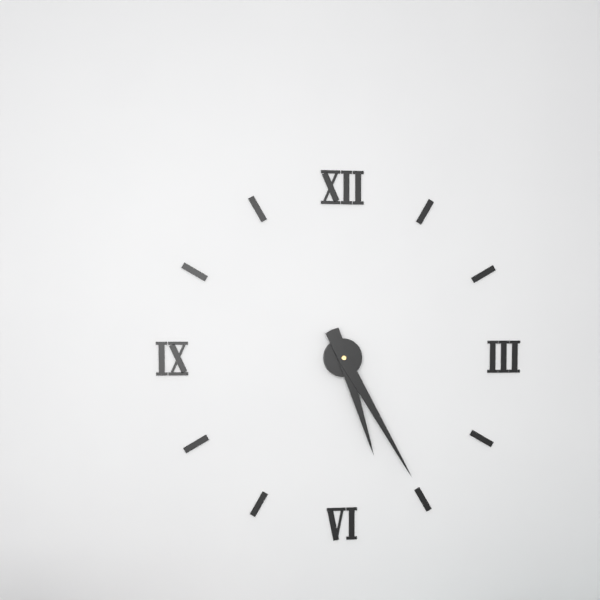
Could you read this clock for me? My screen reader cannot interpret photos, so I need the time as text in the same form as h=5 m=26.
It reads h=5 m=25
